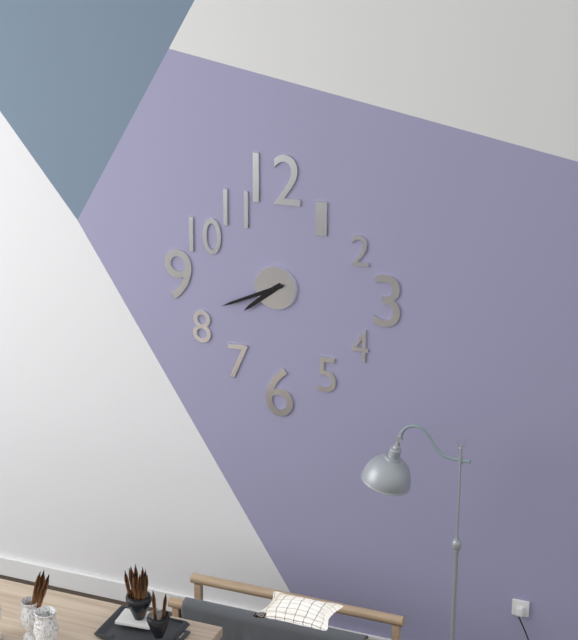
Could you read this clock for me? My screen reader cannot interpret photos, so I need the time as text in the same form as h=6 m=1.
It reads h=7 m=41
